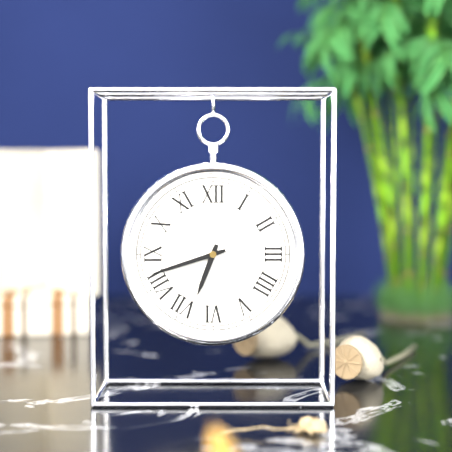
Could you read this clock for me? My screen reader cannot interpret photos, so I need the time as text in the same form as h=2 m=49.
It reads h=6 m=42
